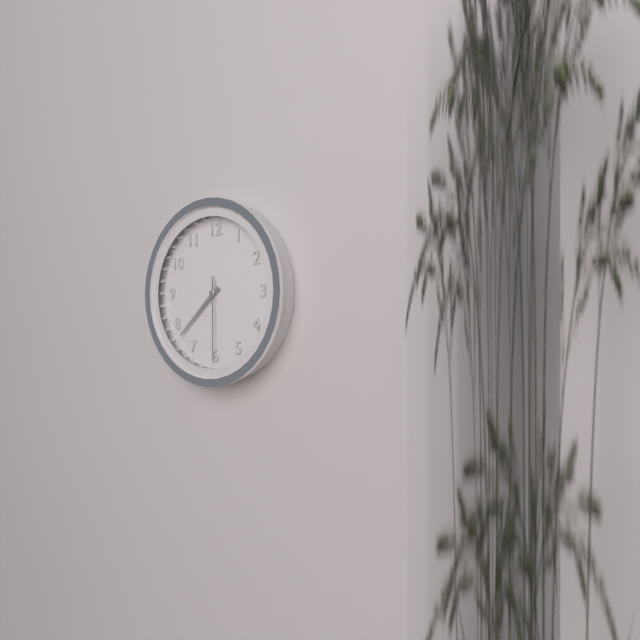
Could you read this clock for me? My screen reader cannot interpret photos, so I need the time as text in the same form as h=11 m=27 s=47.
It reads h=7 m=38 s=30
